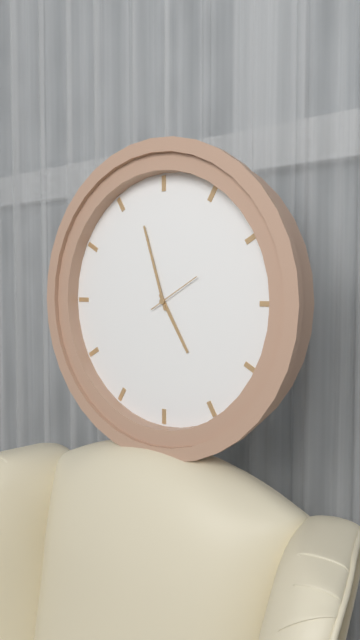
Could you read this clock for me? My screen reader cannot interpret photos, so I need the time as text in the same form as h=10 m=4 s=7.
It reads h=4 m=57 s=10
